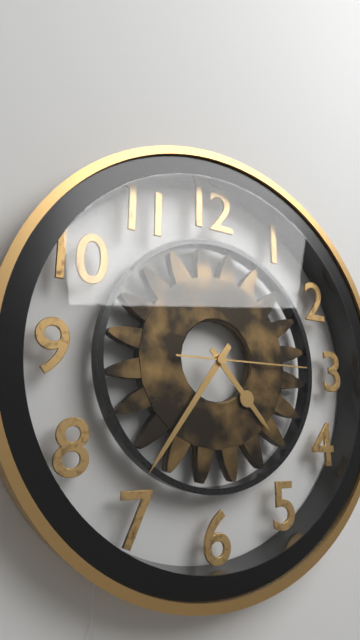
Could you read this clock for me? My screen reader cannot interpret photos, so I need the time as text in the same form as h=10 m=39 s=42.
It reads h=4 m=36 s=15
